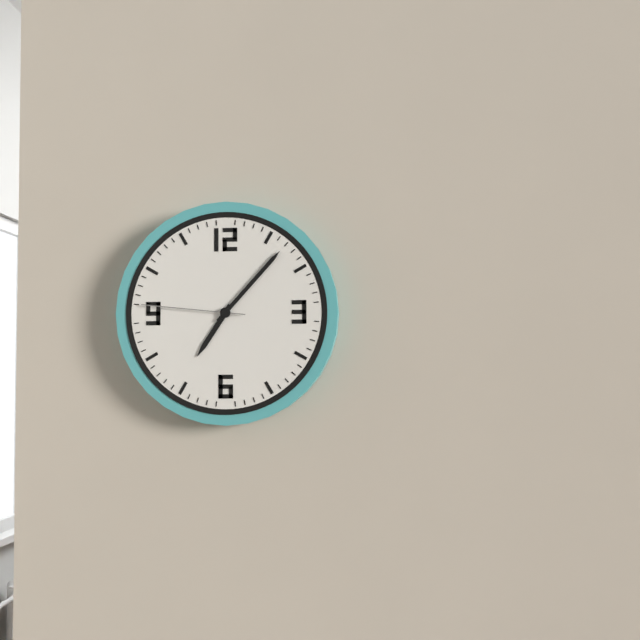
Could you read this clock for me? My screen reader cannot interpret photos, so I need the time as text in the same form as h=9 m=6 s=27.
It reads h=7 m=7 s=46
